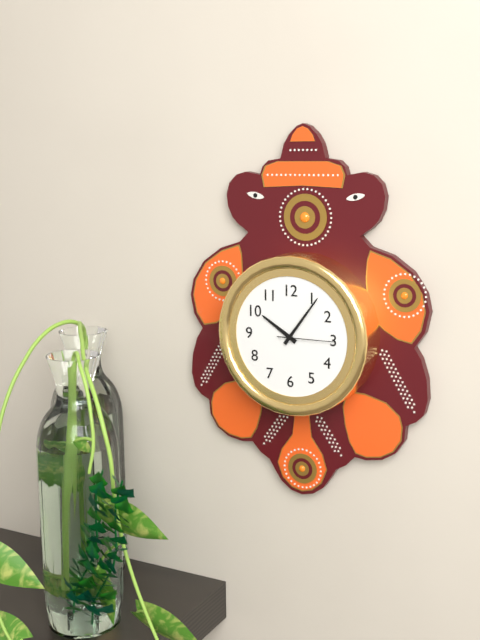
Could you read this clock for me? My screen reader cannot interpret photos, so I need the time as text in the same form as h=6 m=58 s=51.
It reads h=10 m=6 s=15
